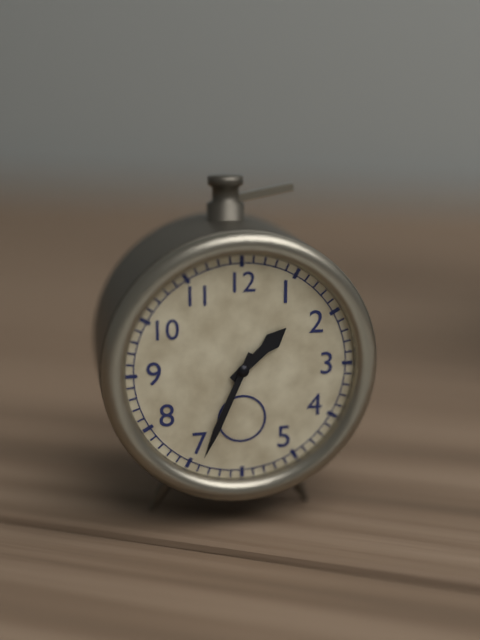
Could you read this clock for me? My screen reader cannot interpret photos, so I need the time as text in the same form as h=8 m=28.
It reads h=1 m=34
